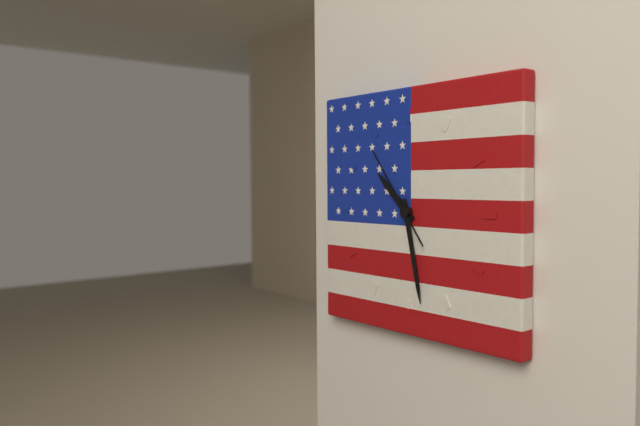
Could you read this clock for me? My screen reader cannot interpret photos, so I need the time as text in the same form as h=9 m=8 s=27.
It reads h=10 m=28 s=54
